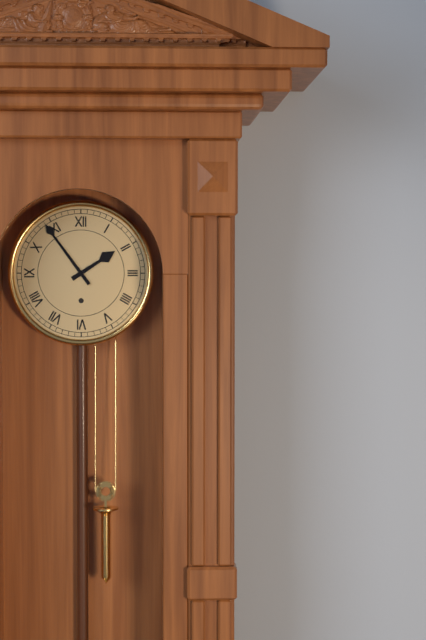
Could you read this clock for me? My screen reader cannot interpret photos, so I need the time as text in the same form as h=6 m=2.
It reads h=1 m=54
